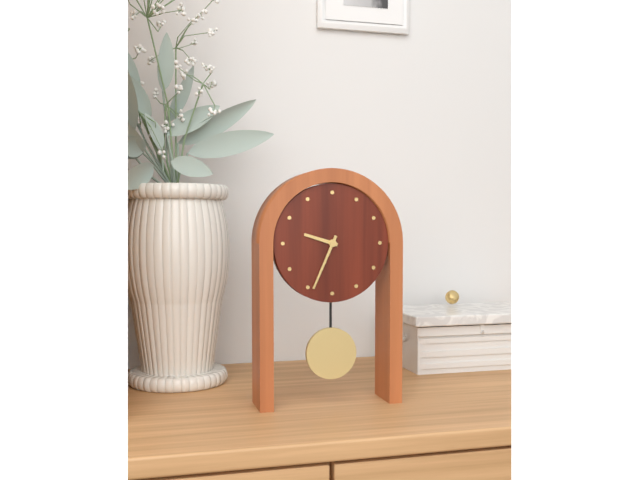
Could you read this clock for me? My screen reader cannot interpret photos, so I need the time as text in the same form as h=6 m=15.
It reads h=9 m=34
